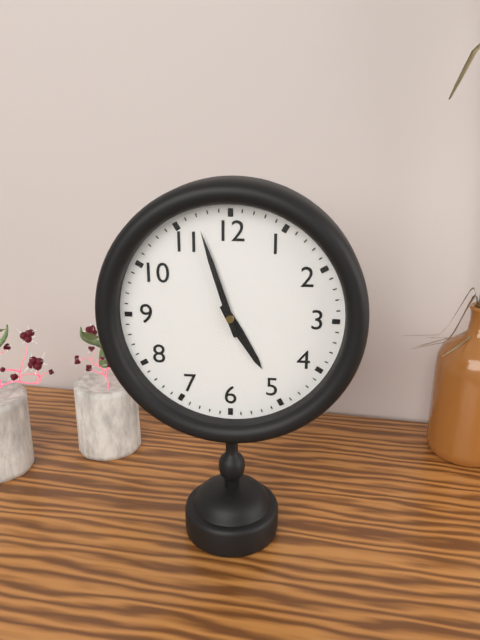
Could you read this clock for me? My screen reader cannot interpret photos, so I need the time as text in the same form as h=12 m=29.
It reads h=4 m=57
